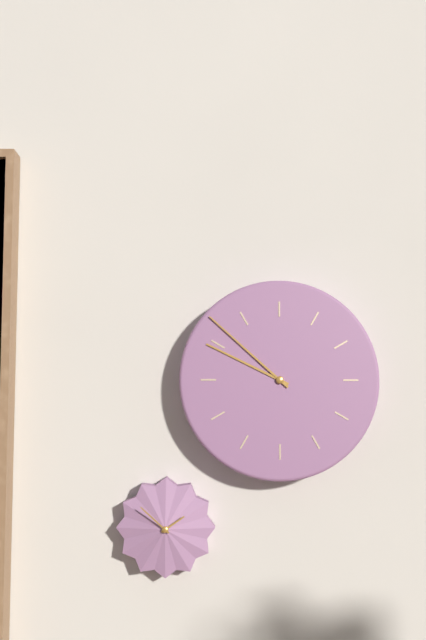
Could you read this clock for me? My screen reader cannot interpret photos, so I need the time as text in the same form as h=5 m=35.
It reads h=9 m=52
